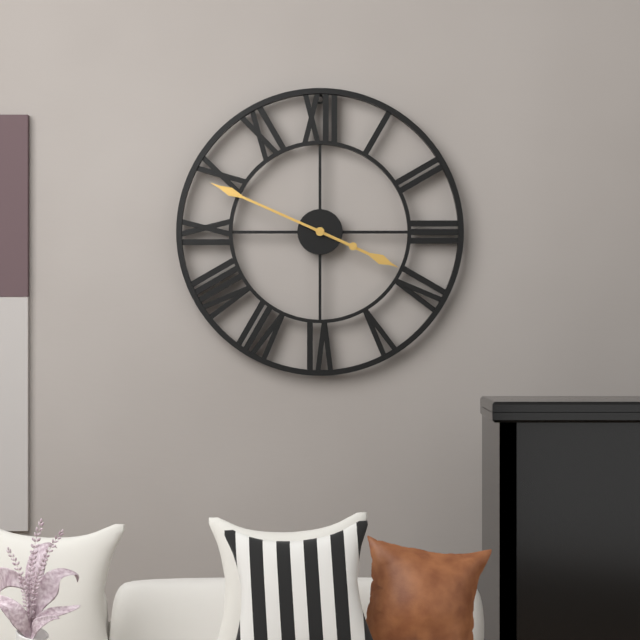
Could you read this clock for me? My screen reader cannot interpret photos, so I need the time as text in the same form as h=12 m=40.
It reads h=3 m=49
